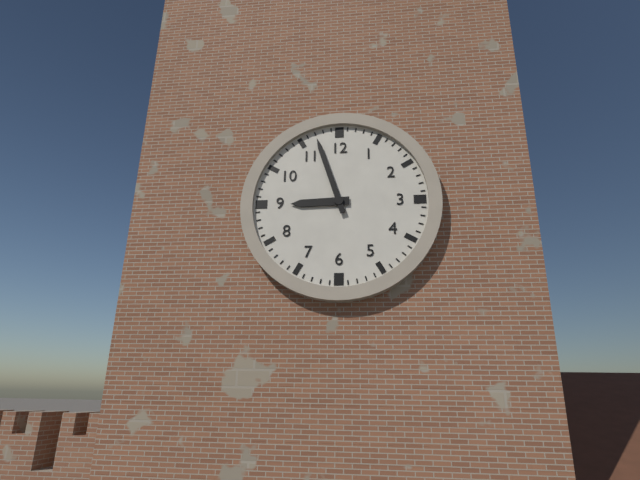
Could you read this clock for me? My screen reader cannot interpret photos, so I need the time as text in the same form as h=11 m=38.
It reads h=8 m=57
